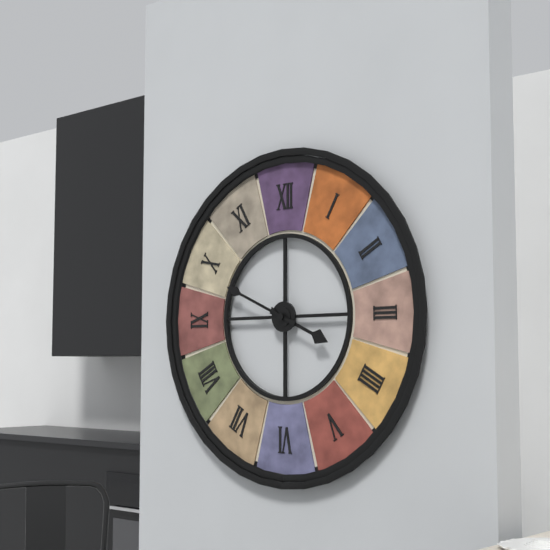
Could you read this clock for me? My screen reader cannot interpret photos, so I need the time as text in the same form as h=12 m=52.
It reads h=3 m=49
